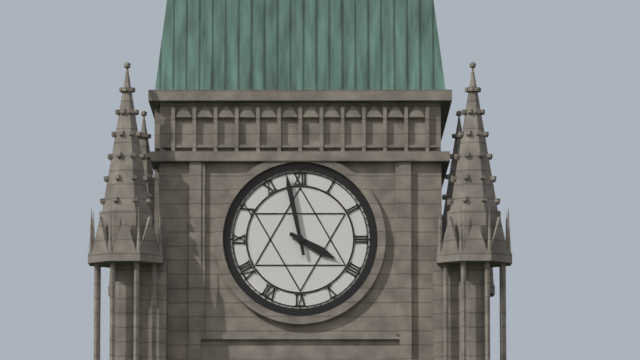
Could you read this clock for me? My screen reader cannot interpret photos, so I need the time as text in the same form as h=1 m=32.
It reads h=3 m=58
